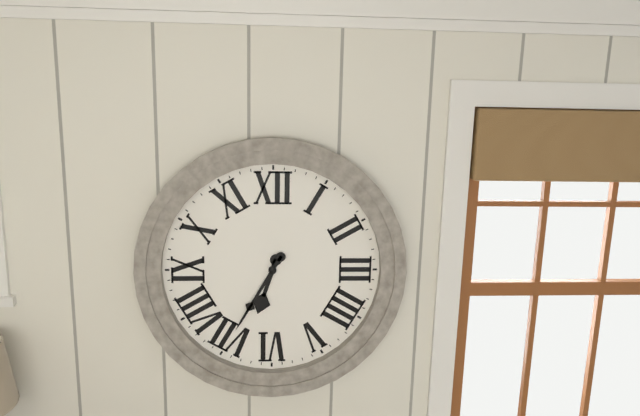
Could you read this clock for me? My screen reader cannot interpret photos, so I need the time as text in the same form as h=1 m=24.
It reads h=6 m=35
